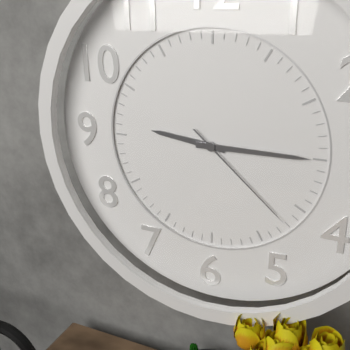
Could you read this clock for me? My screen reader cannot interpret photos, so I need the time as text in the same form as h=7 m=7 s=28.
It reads h=9 m=15 s=22
